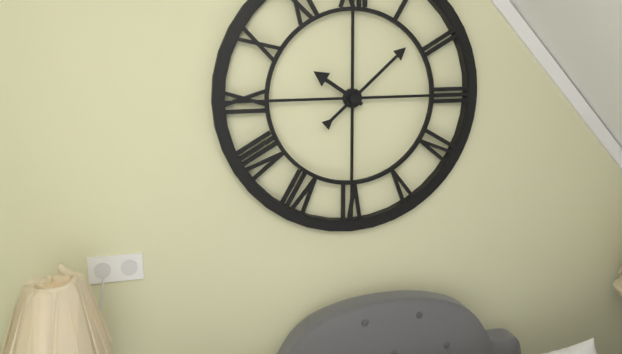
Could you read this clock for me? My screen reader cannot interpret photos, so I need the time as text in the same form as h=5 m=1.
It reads h=10 m=8
